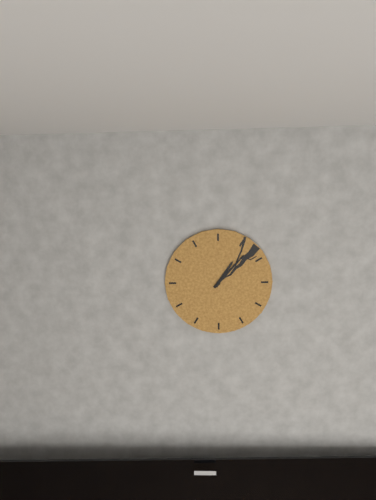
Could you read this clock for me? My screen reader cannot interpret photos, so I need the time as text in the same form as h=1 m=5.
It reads h=1 m=7
